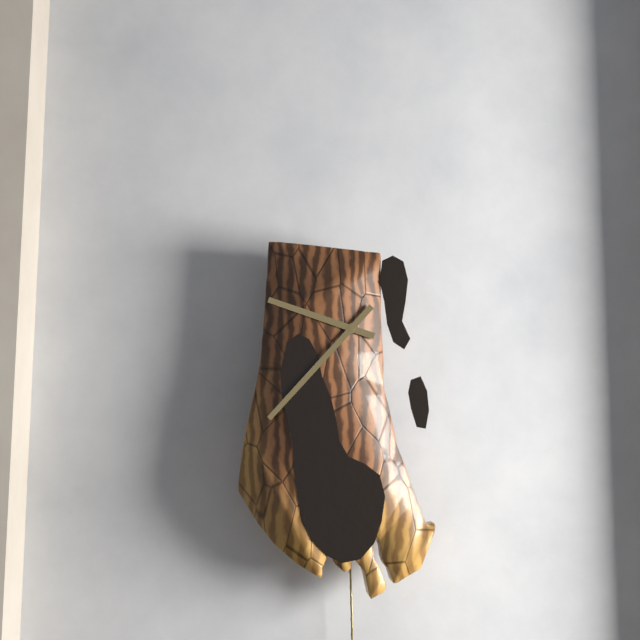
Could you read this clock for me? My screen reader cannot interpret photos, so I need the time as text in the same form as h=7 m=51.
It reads h=9 m=37
